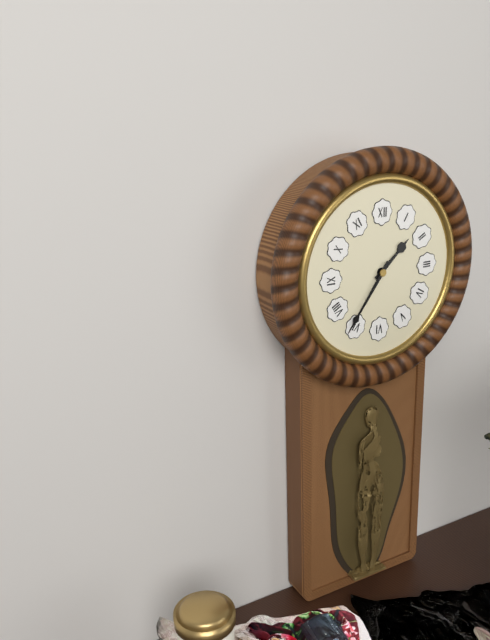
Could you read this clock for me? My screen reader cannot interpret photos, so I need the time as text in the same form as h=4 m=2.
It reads h=1 m=36
